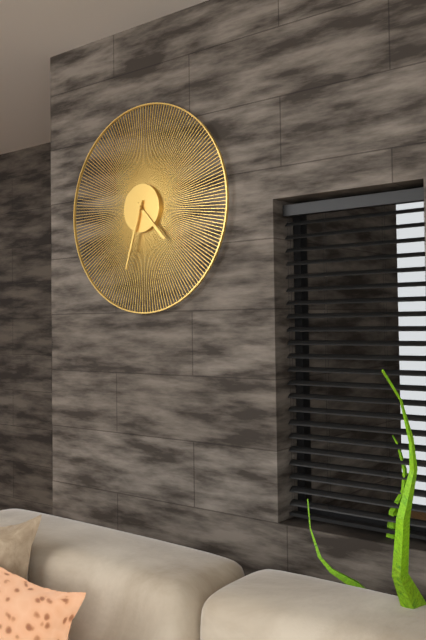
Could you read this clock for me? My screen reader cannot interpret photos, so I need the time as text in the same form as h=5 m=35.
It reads h=4 m=33
